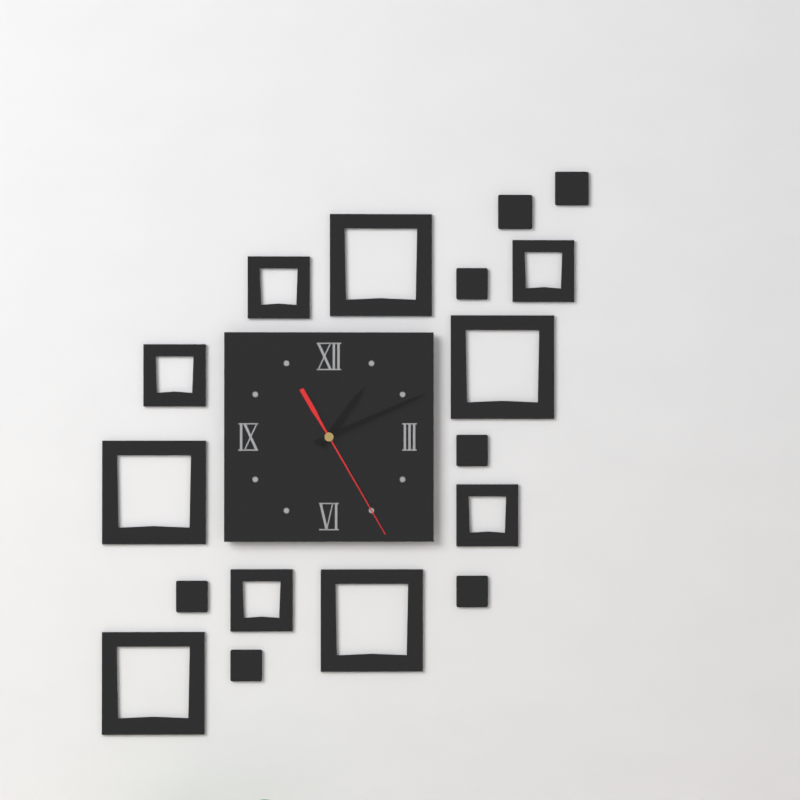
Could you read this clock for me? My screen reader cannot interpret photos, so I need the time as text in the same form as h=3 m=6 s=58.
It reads h=1 m=11 s=25
